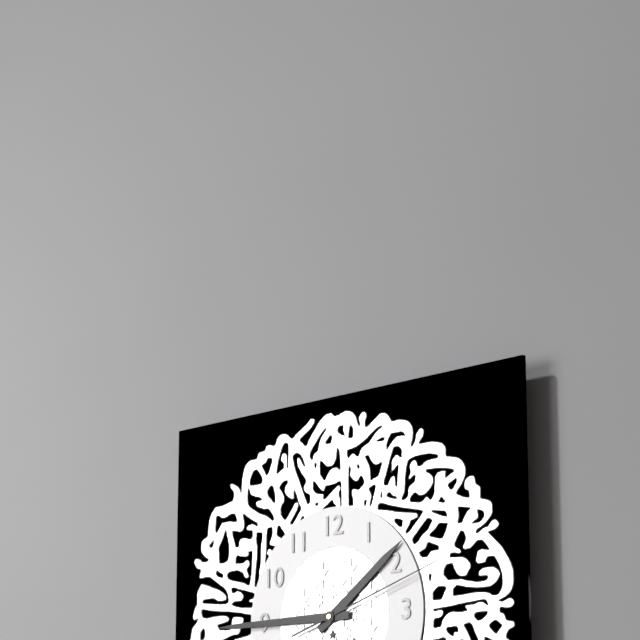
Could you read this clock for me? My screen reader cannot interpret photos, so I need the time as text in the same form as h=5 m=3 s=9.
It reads h=1 m=45 s=12
